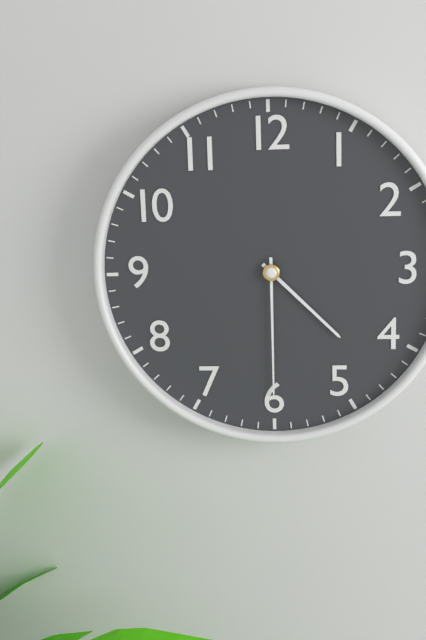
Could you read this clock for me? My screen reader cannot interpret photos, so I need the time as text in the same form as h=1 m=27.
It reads h=4 m=30
